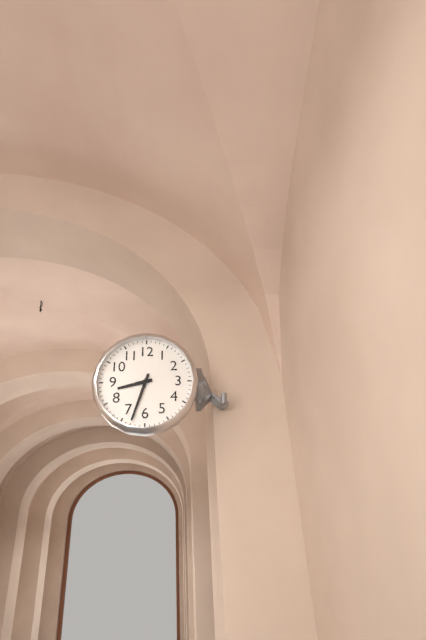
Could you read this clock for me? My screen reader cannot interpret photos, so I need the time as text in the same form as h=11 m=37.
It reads h=8 m=33
